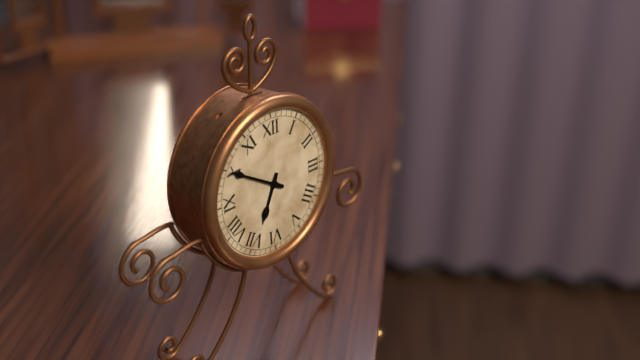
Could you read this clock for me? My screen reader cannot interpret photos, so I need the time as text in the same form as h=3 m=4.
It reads h=6 m=50
